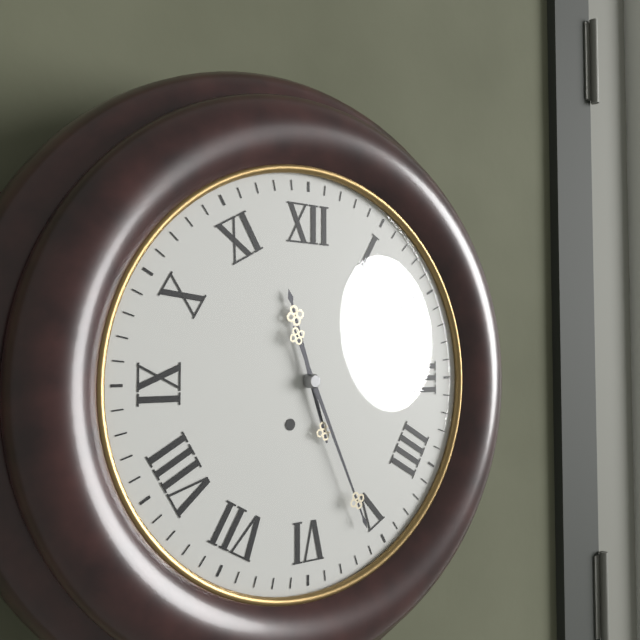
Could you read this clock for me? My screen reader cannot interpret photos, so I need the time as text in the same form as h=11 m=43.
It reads h=11 m=26
